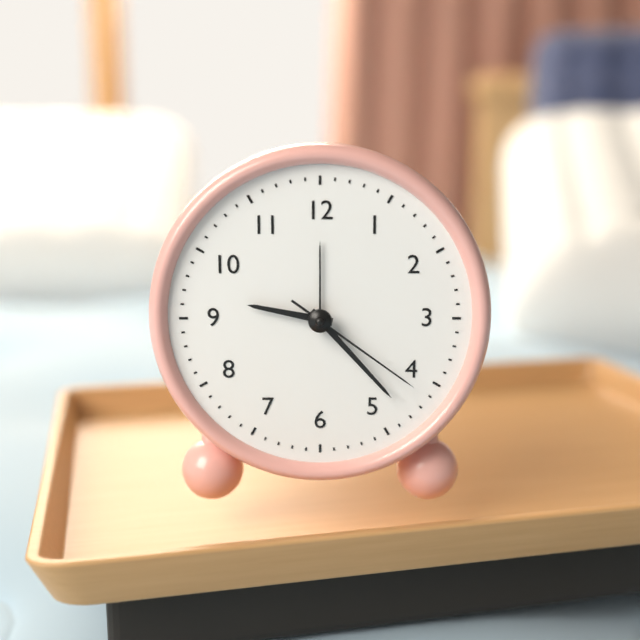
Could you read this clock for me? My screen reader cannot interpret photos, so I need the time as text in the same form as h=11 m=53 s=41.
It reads h=9 m=23 s=21
